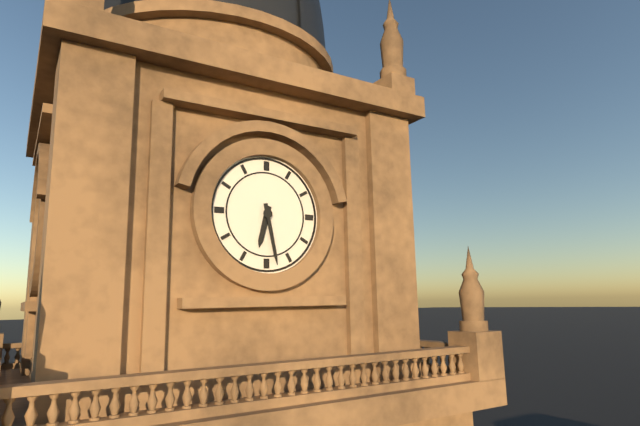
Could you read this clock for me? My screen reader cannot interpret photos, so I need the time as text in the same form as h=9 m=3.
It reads h=6 m=28
